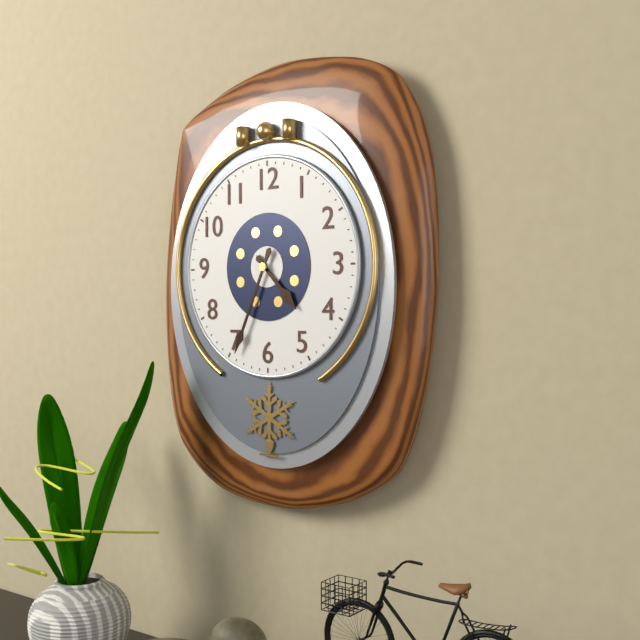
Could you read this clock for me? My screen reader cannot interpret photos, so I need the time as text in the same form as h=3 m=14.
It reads h=4 m=34
